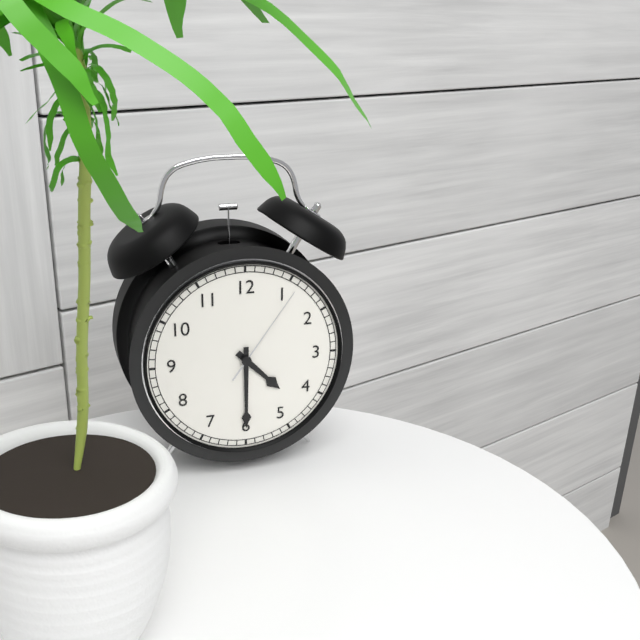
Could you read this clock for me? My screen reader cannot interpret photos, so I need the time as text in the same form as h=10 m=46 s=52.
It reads h=4 m=30 s=6
